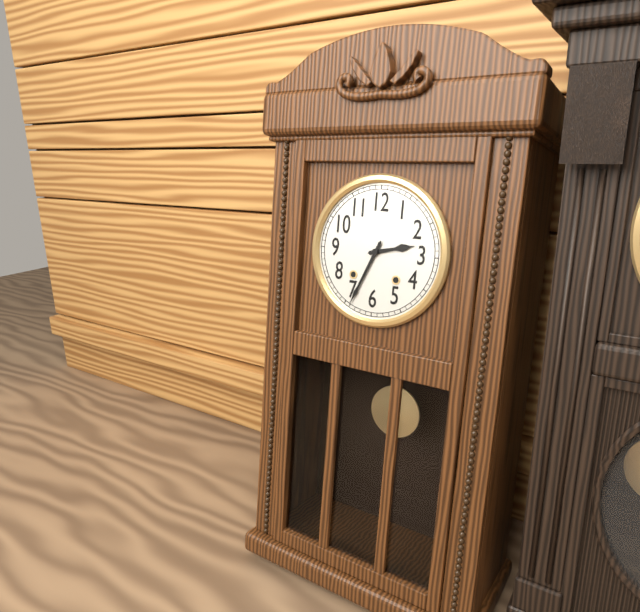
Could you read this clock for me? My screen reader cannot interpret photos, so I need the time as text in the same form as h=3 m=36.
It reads h=2 m=34
